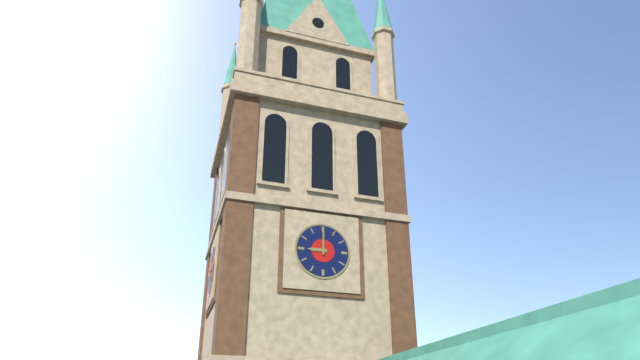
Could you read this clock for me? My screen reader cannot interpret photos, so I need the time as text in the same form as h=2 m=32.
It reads h=9 m=0
